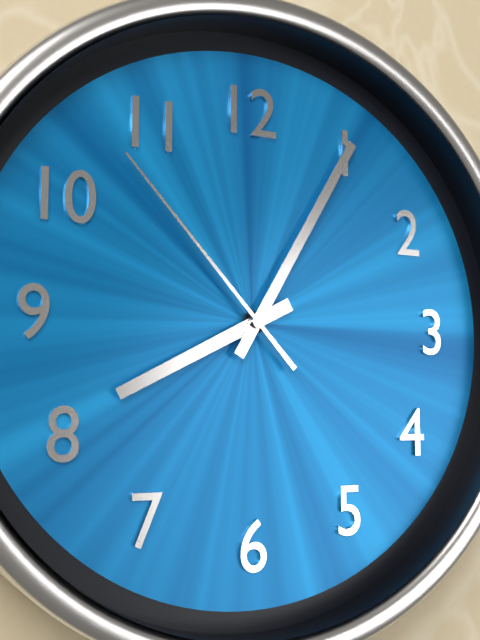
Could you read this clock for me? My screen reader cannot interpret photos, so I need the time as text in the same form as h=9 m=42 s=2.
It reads h=8 m=5 s=53
